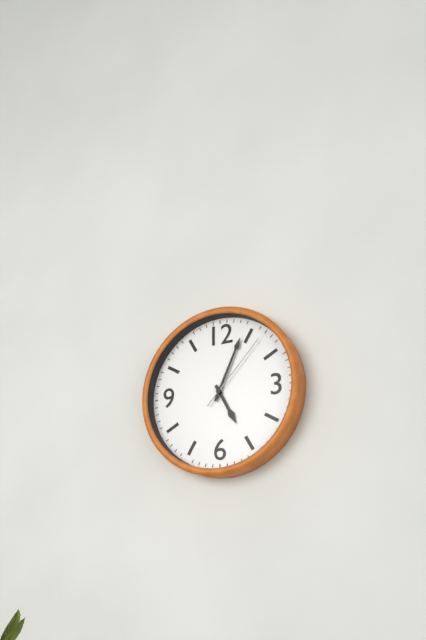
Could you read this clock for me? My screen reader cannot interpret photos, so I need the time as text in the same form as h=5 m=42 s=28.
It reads h=5 m=4 s=7
